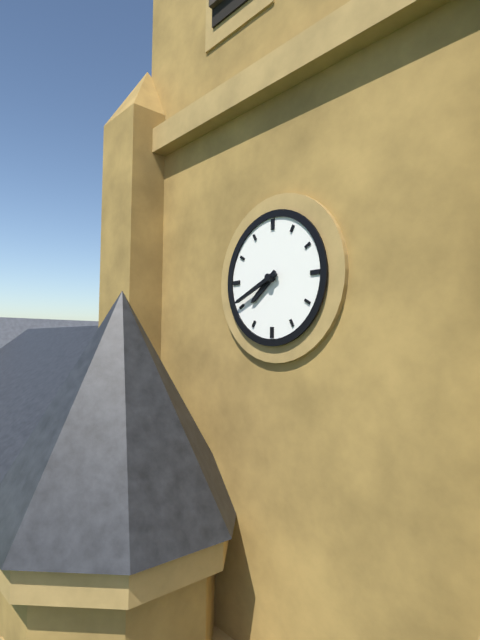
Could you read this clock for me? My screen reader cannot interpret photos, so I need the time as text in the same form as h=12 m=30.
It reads h=7 m=41
